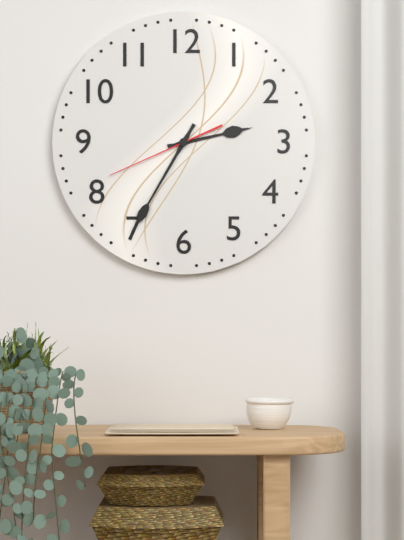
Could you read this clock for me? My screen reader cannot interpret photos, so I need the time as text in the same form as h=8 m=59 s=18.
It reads h=2 m=35 s=41
